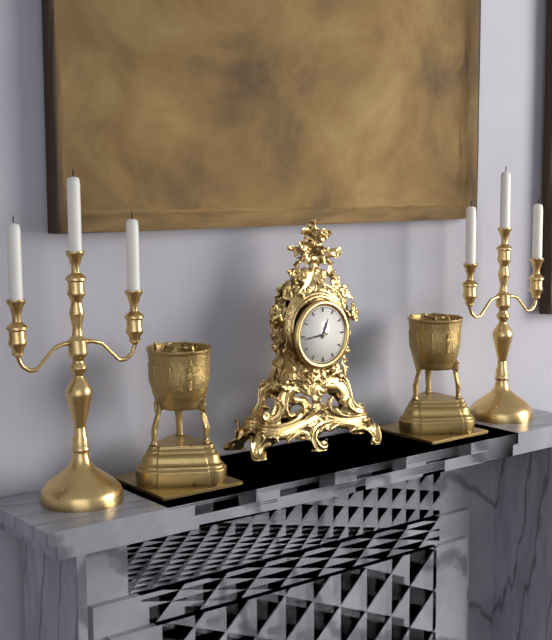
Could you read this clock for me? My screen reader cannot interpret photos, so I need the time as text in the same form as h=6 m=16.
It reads h=12 m=44
